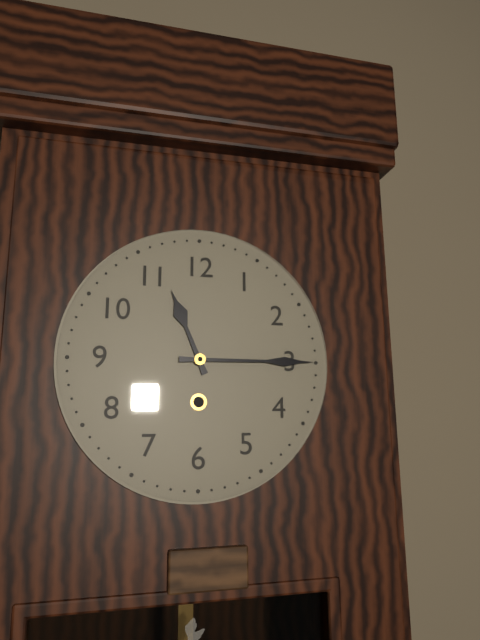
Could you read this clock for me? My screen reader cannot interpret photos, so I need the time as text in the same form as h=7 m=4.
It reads h=11 m=15
